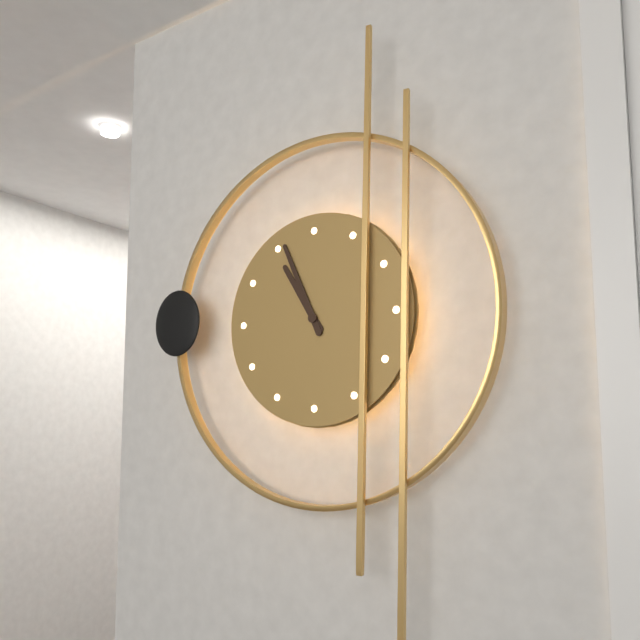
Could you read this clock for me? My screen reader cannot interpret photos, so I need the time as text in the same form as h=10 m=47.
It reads h=10 m=56
